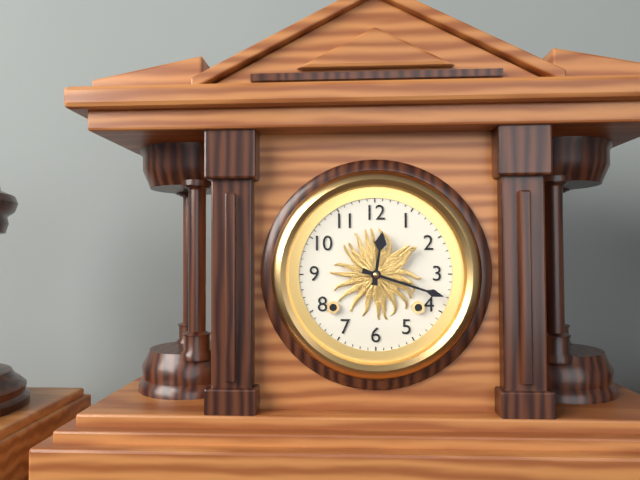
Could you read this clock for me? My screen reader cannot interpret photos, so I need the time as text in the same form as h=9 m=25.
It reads h=12 m=18
